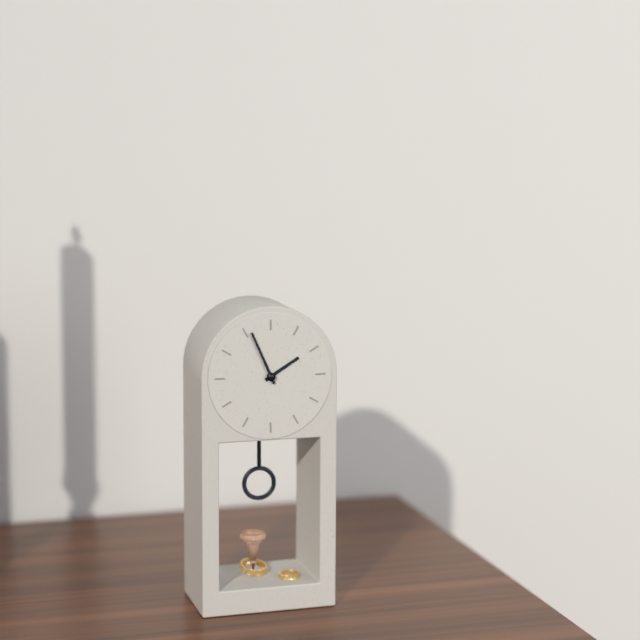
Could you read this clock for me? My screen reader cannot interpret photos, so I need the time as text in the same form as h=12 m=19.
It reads h=1 m=56
